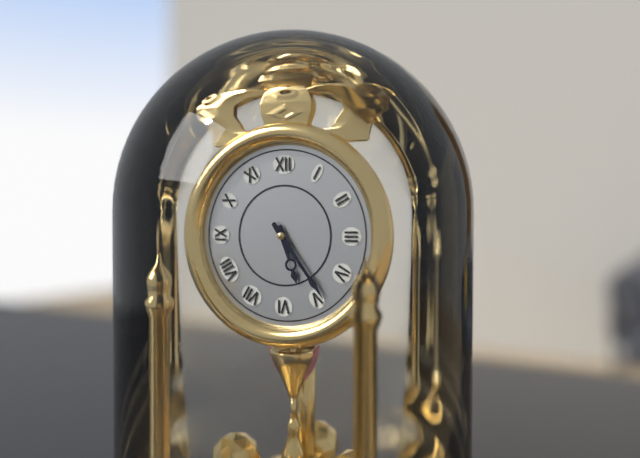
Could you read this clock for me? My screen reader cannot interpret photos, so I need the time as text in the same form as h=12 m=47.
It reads h=5 m=24
